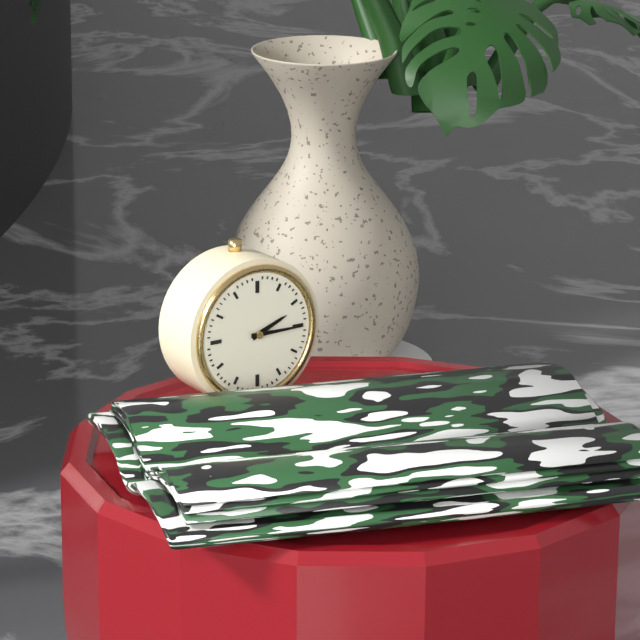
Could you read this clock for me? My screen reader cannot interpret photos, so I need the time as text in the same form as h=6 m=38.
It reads h=2 m=15
